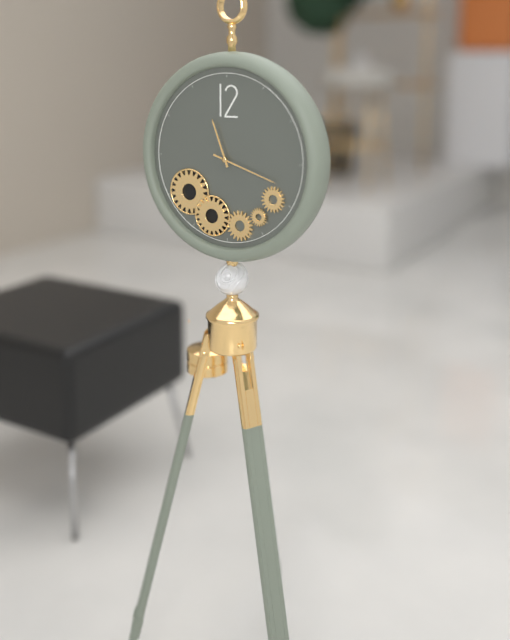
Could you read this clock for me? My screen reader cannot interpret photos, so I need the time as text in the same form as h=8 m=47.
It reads h=11 m=18
